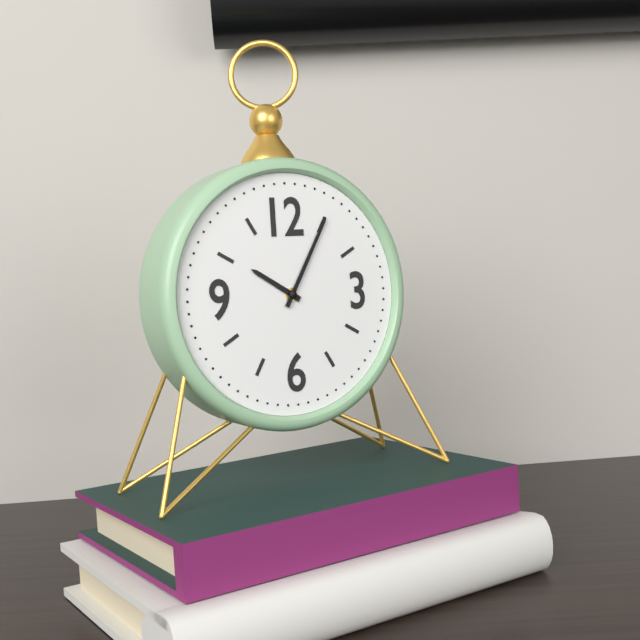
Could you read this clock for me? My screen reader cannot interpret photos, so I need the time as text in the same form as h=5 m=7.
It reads h=10 m=5
